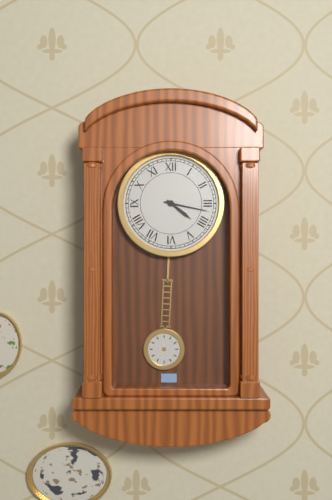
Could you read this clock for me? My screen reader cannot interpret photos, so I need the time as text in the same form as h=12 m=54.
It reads h=4 m=17
